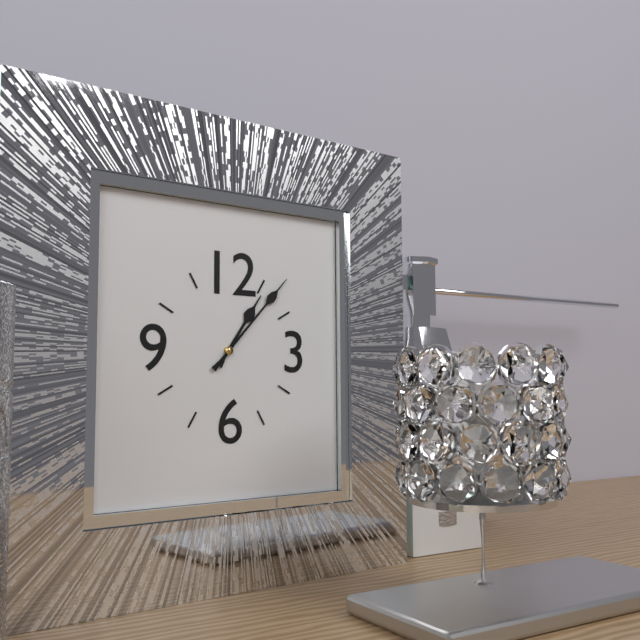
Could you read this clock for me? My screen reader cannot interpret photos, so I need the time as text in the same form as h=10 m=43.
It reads h=1 m=7
